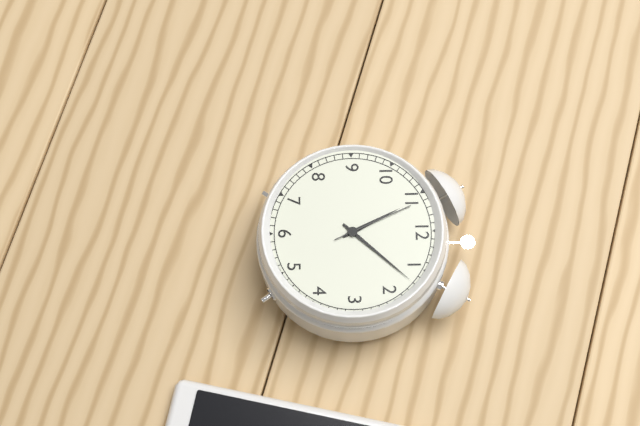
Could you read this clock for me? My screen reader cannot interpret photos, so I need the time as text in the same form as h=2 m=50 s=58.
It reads h=11 m=7 s=56
